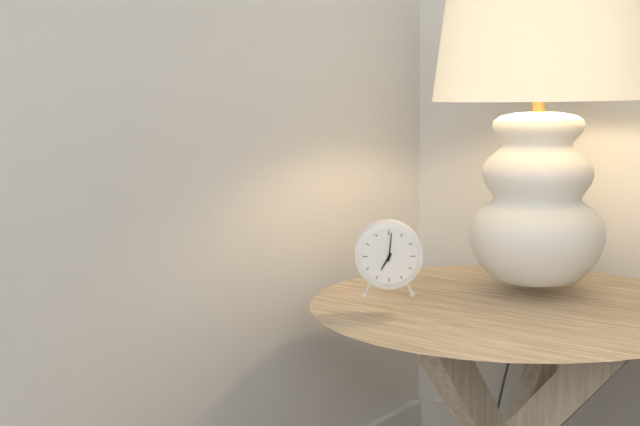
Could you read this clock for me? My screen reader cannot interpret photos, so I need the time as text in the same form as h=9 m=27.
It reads h=7 m=1
